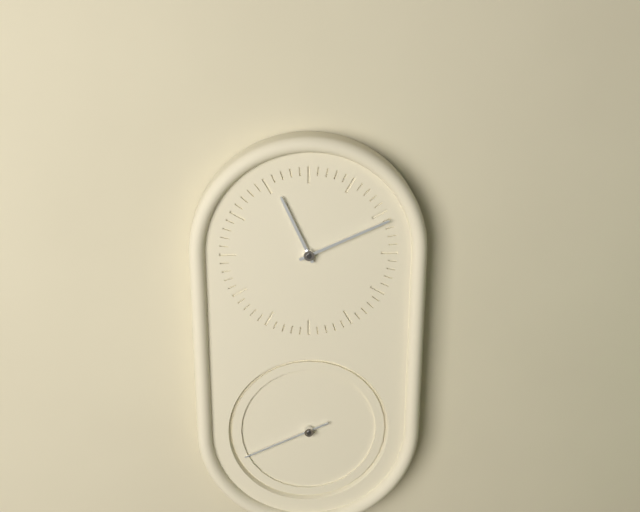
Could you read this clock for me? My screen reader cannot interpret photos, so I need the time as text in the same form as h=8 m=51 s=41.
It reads h=11 m=11 s=41
